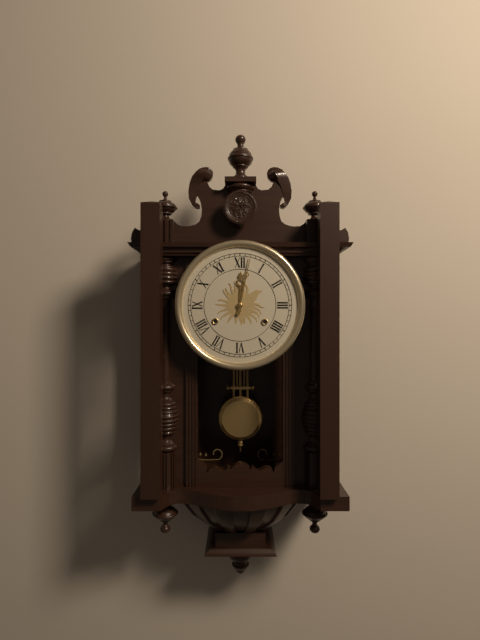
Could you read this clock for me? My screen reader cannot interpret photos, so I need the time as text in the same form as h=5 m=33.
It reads h=12 m=2
